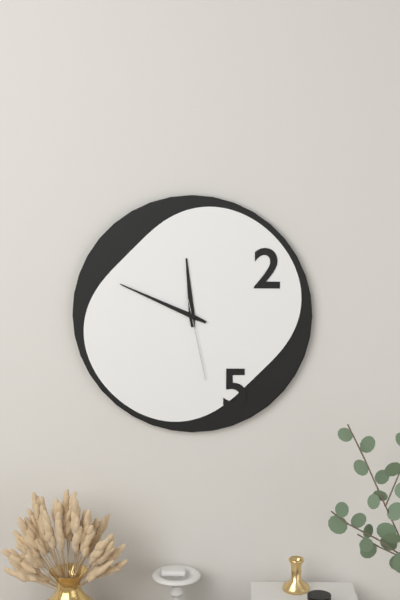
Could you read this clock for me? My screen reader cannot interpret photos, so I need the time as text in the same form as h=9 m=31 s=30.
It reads h=11 m=49 s=28
